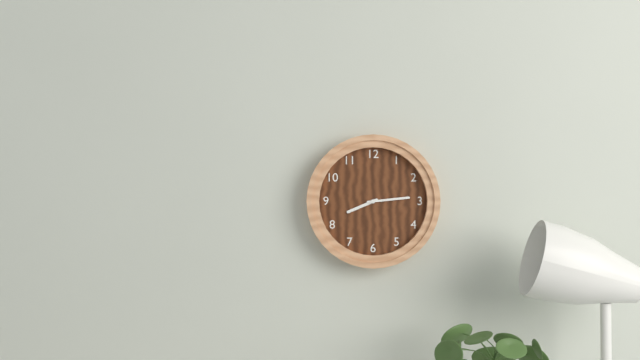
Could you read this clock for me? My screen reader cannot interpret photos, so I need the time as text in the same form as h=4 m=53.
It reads h=8 m=14
